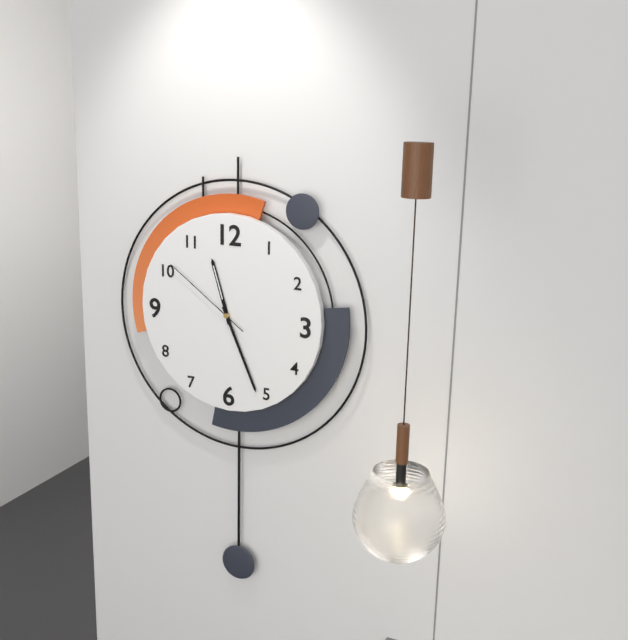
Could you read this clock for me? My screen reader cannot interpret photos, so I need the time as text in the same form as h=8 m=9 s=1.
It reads h=11 m=26 s=51
